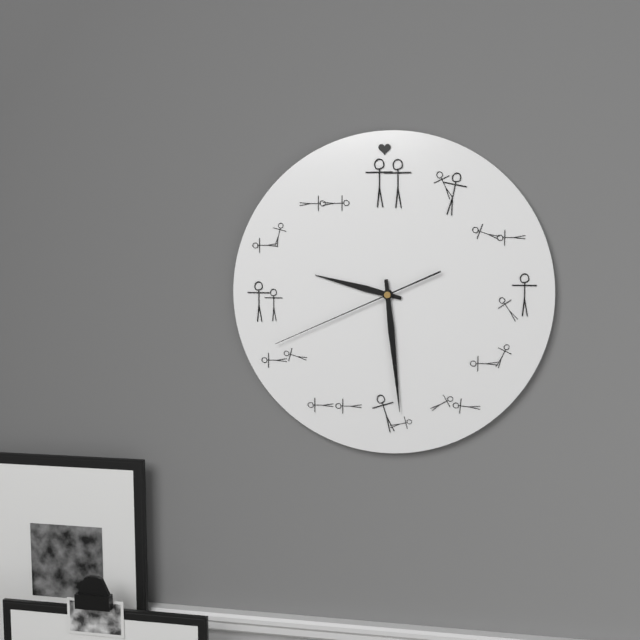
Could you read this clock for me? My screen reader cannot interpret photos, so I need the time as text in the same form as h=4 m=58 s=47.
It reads h=9 m=29 s=41
